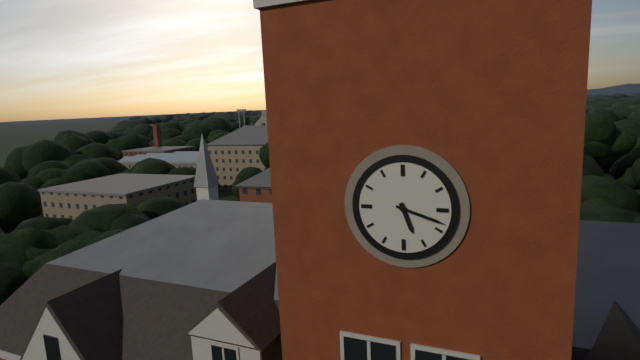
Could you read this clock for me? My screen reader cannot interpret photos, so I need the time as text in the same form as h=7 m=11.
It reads h=5 m=18
